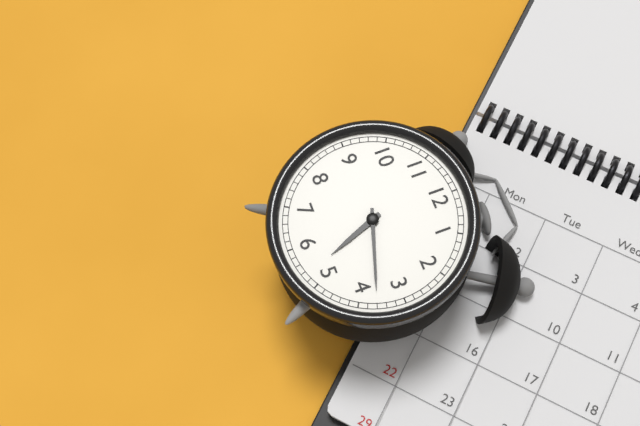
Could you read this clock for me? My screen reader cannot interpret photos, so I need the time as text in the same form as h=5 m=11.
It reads h=5 m=18
